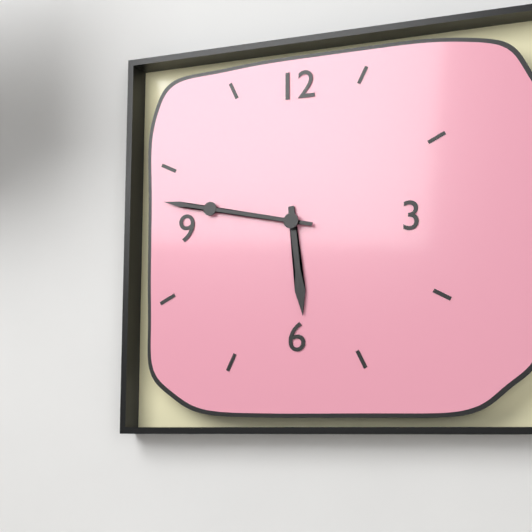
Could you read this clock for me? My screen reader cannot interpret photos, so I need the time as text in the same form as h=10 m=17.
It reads h=5 m=47
